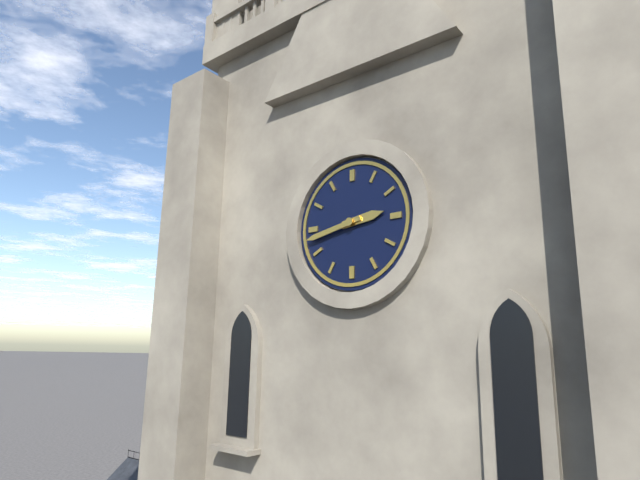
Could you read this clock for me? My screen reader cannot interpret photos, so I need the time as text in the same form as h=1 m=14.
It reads h=2 m=43
